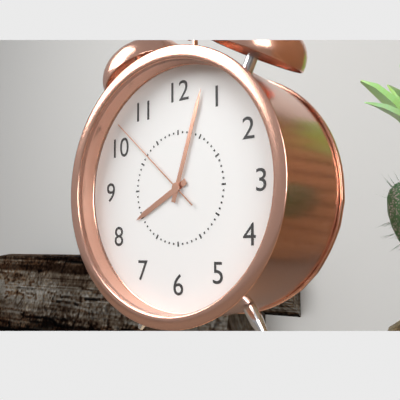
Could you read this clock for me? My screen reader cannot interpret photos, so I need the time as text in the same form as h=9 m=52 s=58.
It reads h=8 m=3 s=52
